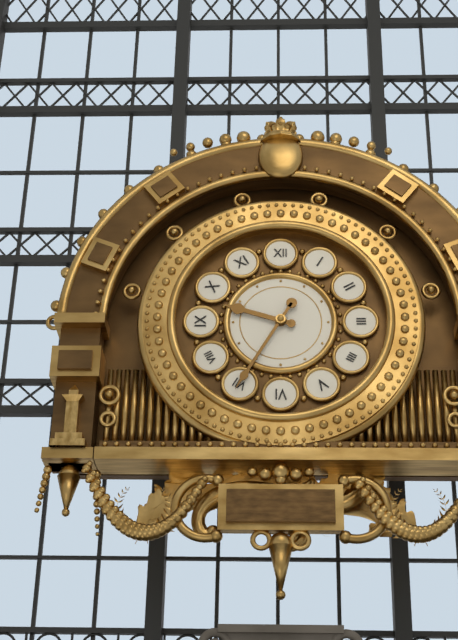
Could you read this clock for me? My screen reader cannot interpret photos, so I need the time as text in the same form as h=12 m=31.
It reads h=9 m=35
